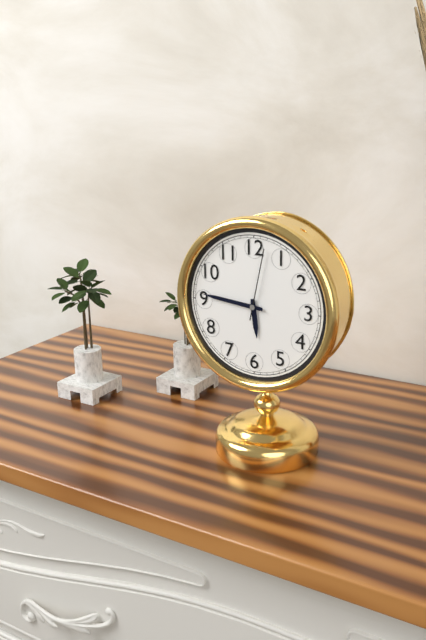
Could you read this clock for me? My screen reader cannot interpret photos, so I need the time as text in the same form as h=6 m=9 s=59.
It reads h=5 m=46 s=2
